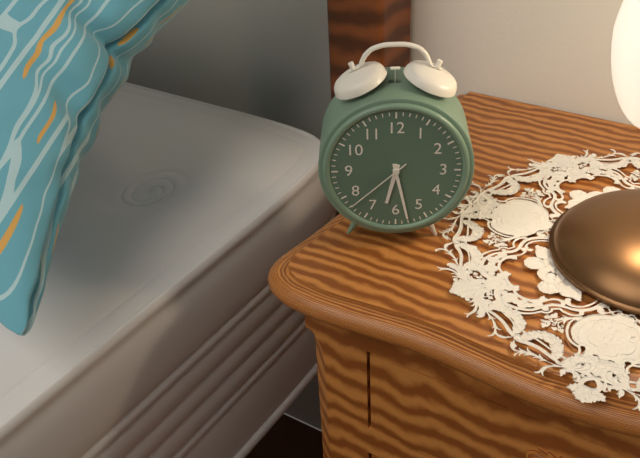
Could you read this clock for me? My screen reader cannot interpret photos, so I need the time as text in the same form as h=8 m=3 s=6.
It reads h=6 m=28 s=38
